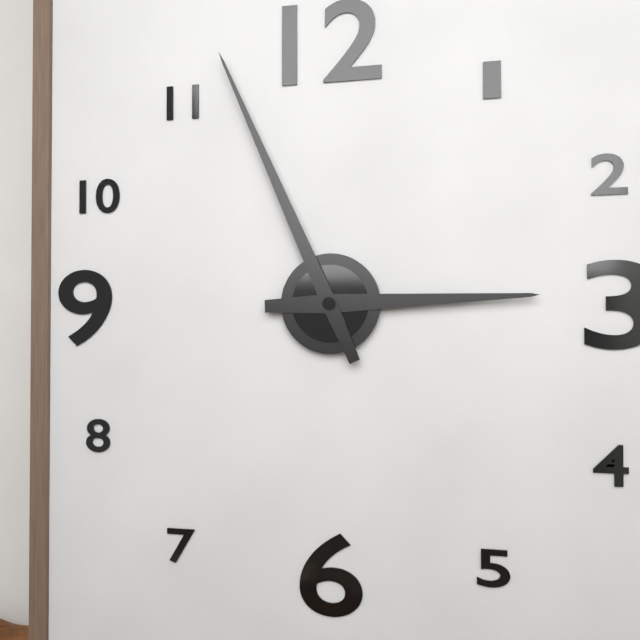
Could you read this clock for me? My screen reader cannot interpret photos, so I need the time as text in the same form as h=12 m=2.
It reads h=2 m=56
